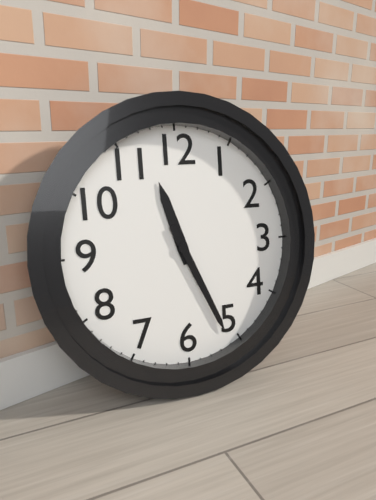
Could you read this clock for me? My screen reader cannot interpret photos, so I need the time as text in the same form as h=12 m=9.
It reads h=11 m=26
